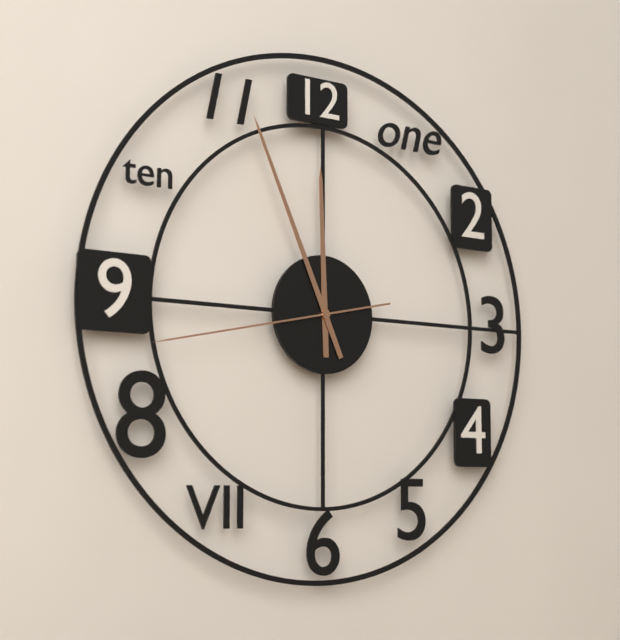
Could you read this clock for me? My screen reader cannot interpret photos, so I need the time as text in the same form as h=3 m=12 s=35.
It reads h=11 m=56 s=43
